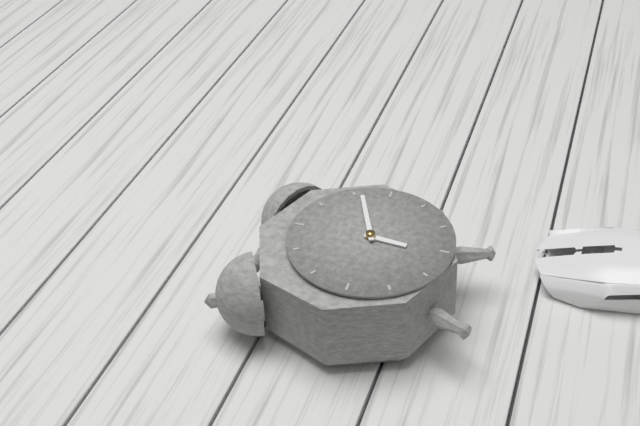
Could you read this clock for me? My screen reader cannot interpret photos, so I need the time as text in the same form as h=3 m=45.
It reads h=6 m=11
